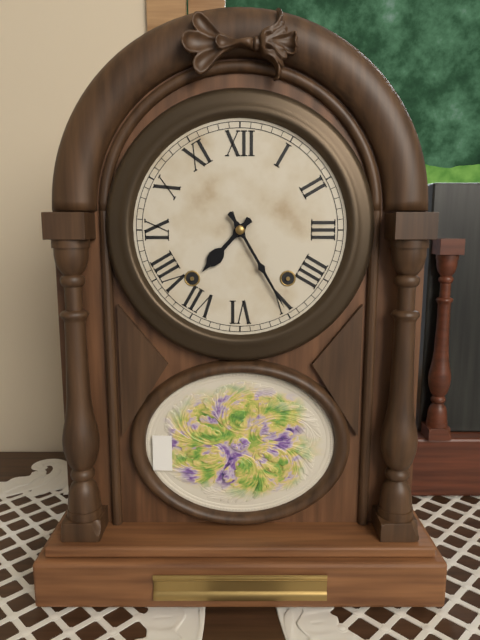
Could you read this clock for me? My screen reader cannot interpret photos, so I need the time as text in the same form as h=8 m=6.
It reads h=7 m=25
